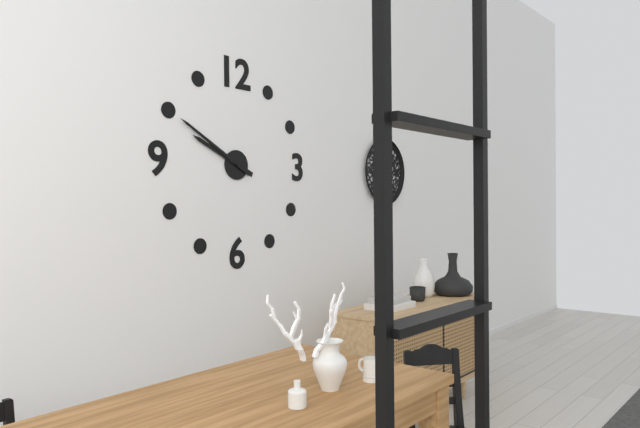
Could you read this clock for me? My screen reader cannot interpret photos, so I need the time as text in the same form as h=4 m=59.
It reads h=9 m=50
